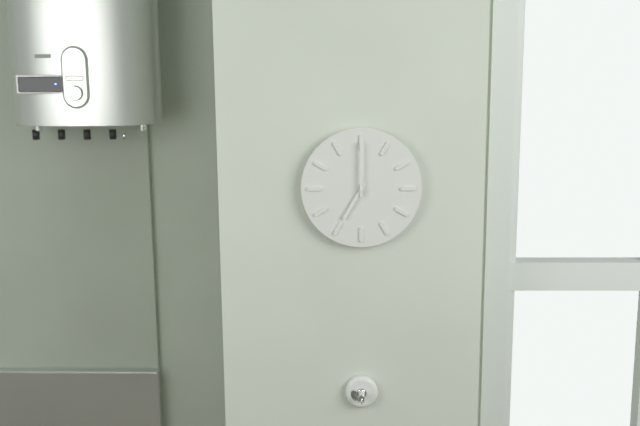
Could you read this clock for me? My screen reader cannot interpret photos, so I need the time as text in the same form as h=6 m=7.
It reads h=7 m=0
